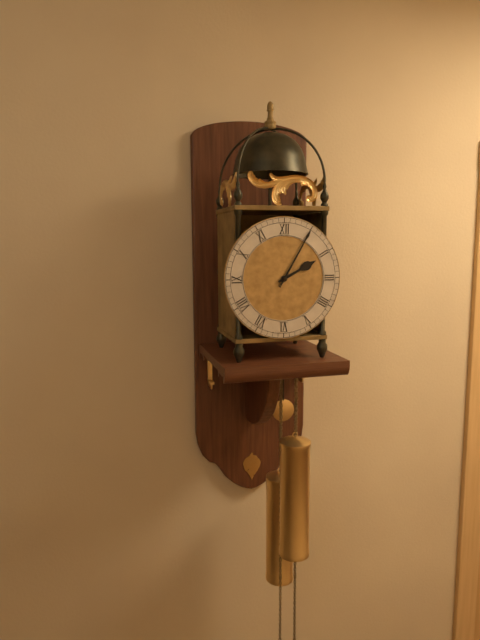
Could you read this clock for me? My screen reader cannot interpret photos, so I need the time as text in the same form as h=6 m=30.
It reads h=2 m=5
